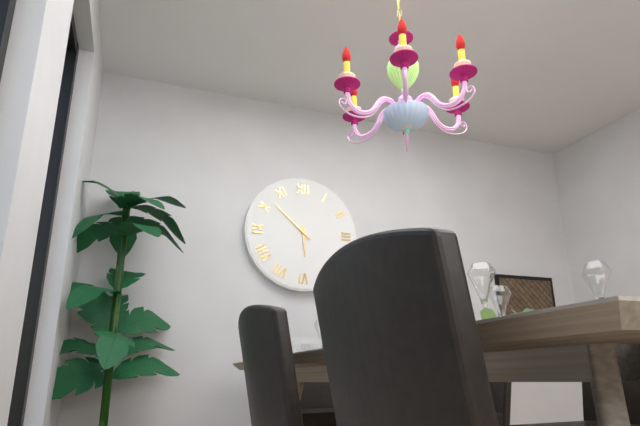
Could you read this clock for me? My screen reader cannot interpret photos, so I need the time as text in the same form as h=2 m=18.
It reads h=5 m=52
